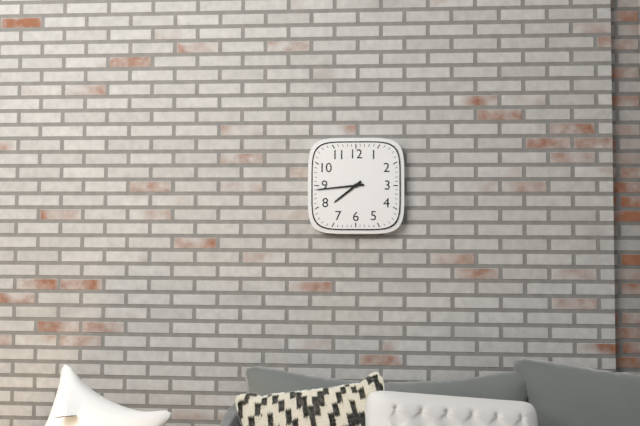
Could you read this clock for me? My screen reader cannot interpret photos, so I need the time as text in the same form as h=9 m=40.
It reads h=7 m=44
